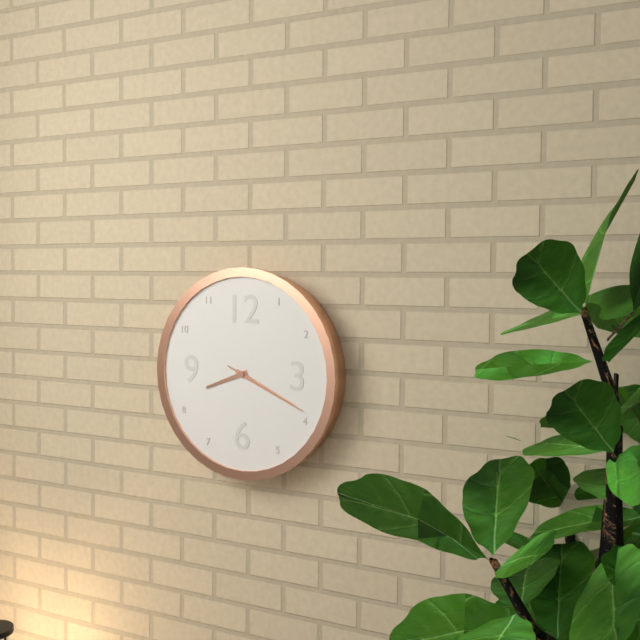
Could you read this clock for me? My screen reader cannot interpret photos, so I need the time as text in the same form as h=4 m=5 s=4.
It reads h=8 m=19 s=19
